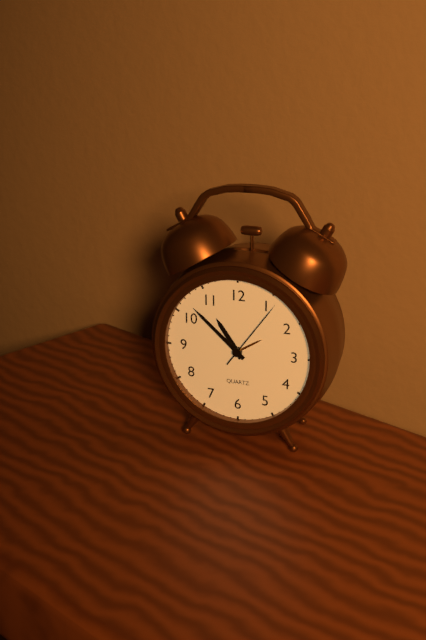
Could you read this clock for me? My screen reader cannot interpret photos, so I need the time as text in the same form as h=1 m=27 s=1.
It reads h=10 m=52 s=6
